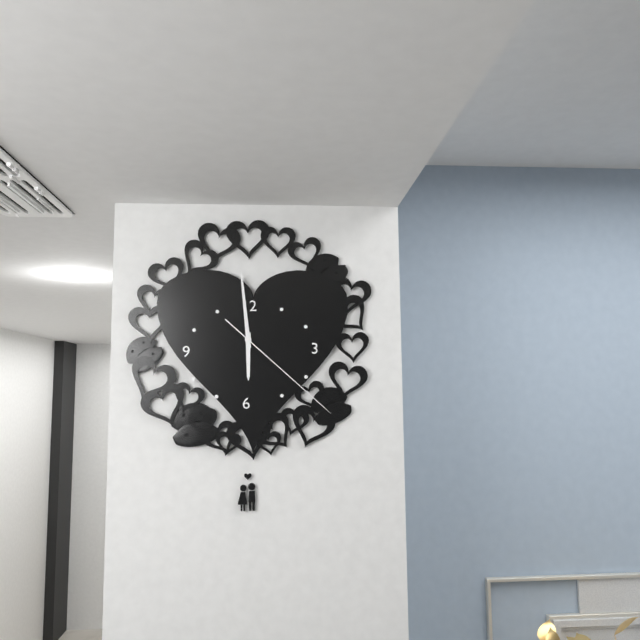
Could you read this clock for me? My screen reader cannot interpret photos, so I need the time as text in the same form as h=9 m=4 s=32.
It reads h=5 m=59 s=22
